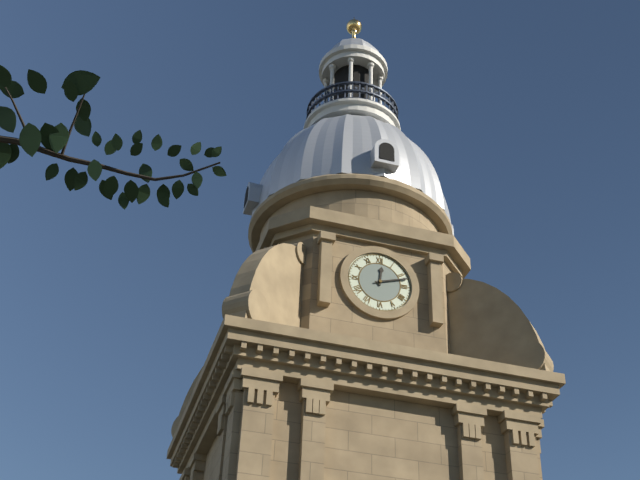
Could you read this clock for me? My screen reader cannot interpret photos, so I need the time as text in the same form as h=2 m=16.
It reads h=12 m=12
